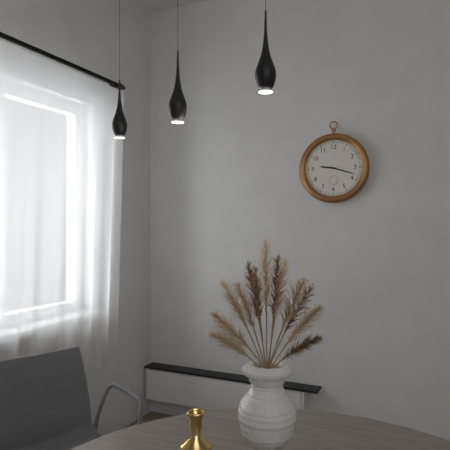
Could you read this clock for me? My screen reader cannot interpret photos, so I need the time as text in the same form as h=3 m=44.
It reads h=9 m=18
